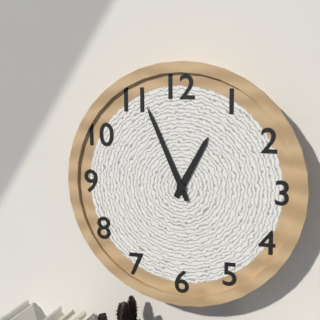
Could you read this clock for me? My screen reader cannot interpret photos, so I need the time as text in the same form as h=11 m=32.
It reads h=12 m=56
